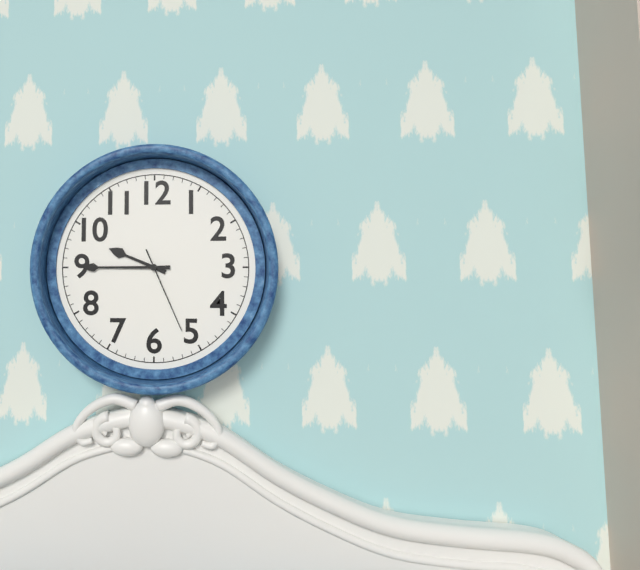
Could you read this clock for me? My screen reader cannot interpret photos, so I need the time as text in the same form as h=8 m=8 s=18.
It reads h=9 m=45 s=26
